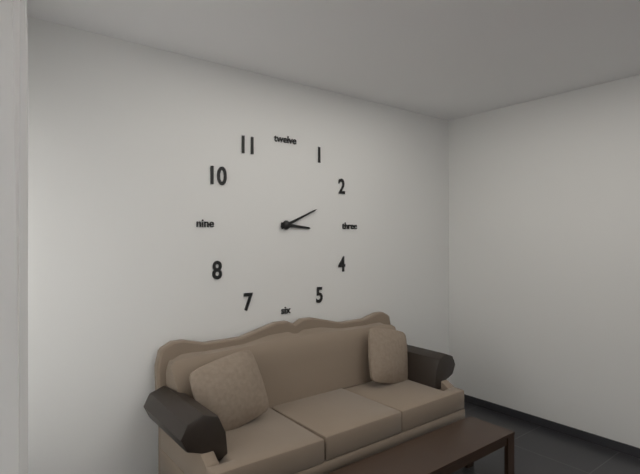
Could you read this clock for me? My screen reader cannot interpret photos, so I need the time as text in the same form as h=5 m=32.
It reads h=3 m=11
